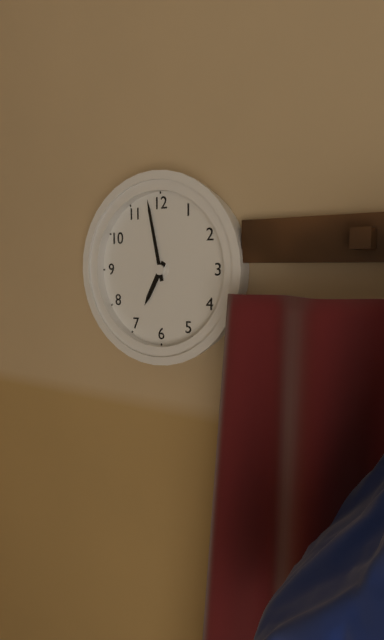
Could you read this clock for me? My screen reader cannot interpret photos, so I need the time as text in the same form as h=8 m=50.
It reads h=6 m=58
